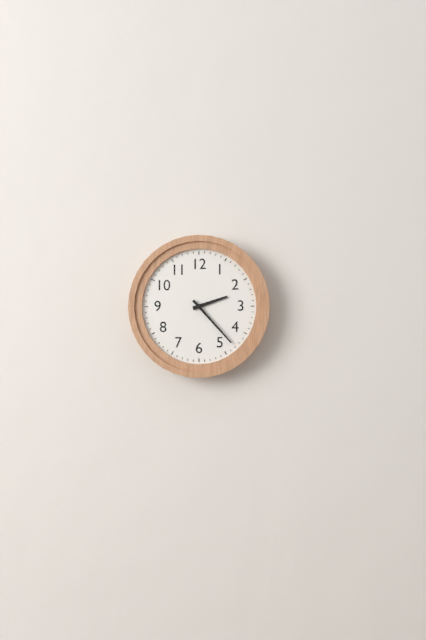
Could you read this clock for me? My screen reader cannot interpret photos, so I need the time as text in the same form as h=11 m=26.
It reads h=2 m=23
